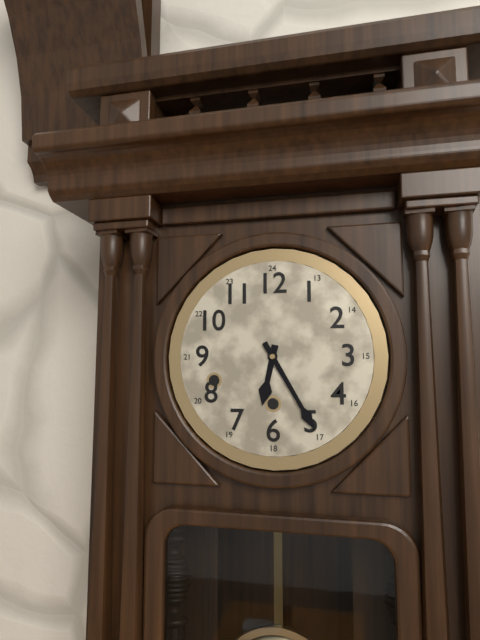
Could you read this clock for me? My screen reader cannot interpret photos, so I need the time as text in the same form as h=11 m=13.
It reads h=6 m=25
